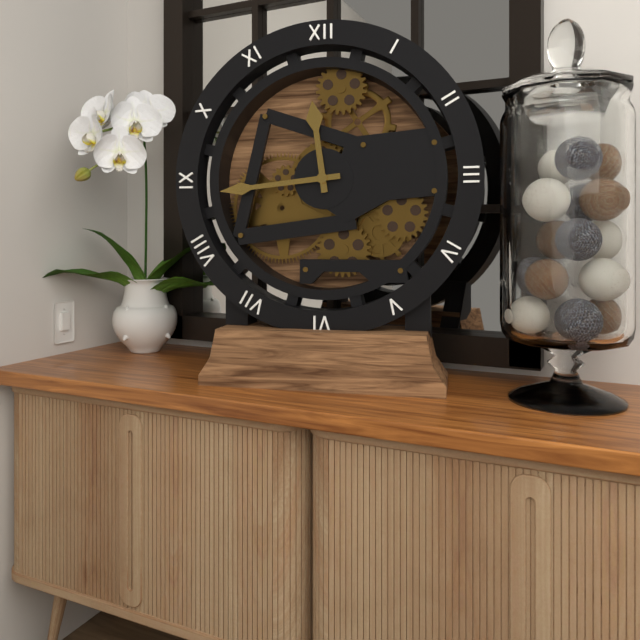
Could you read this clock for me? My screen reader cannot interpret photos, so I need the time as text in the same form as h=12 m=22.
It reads h=11 m=44
